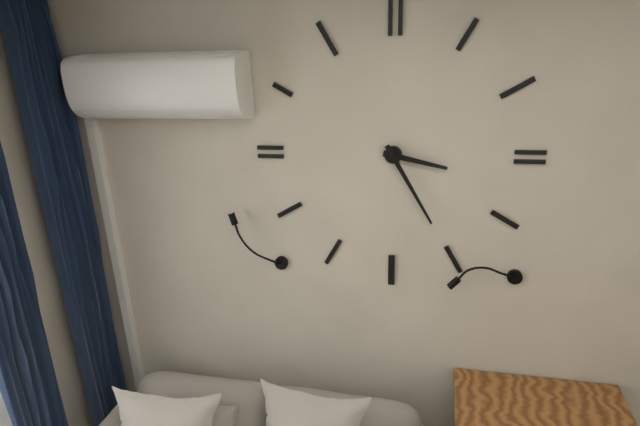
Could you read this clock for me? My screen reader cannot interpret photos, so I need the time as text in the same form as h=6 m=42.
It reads h=3 m=25
